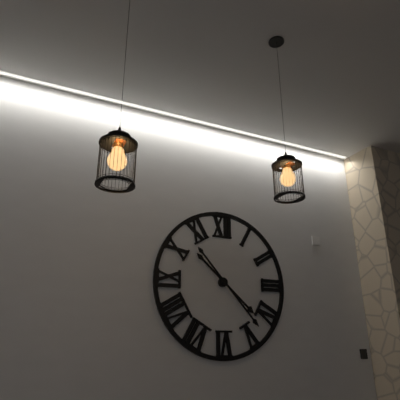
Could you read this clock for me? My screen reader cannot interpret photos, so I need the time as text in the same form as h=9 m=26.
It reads h=4 m=23
